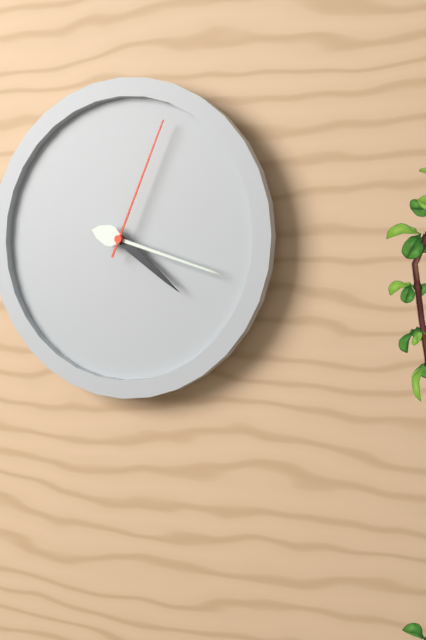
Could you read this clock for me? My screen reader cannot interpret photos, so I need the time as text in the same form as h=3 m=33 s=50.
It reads h=4 m=18 s=4
